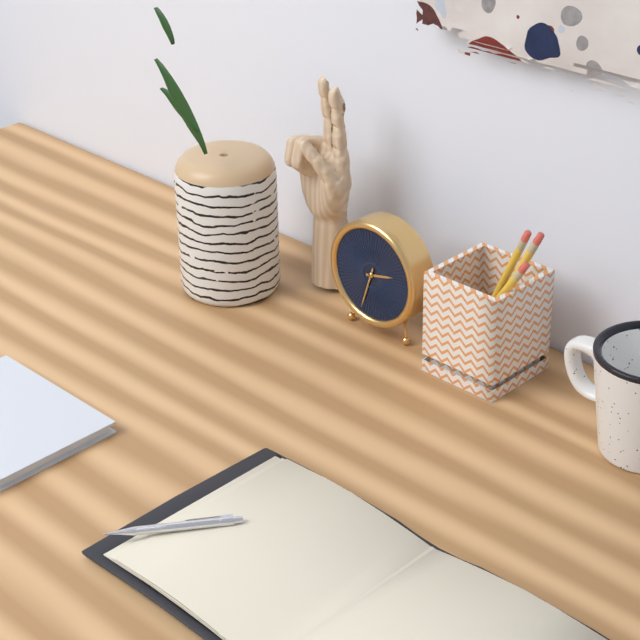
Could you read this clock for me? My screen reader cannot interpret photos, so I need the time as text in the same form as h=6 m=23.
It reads h=2 m=33
